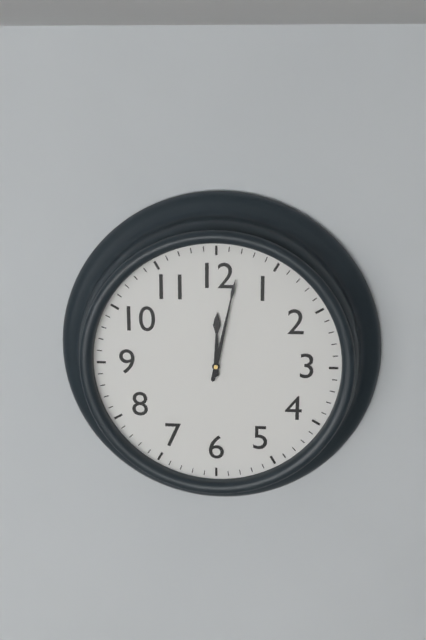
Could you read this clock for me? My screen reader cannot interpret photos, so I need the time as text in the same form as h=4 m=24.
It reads h=12 m=2
